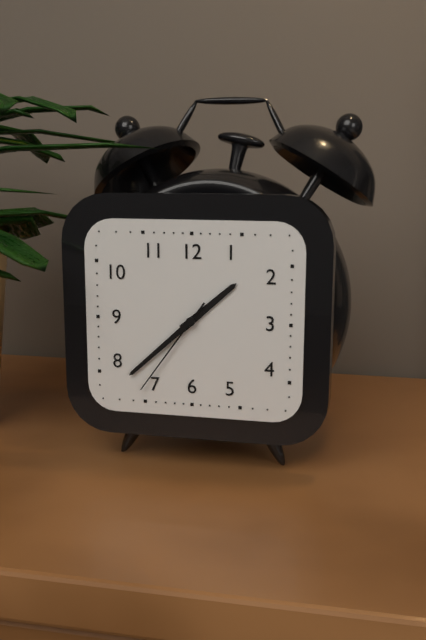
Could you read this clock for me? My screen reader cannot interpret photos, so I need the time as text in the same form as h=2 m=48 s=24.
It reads h=1 m=38 s=36
